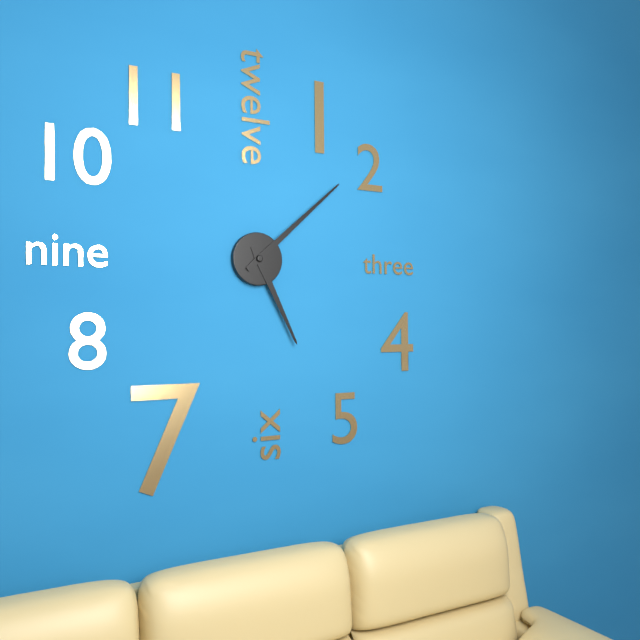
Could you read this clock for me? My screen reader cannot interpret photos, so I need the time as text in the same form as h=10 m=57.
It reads h=5 m=8
